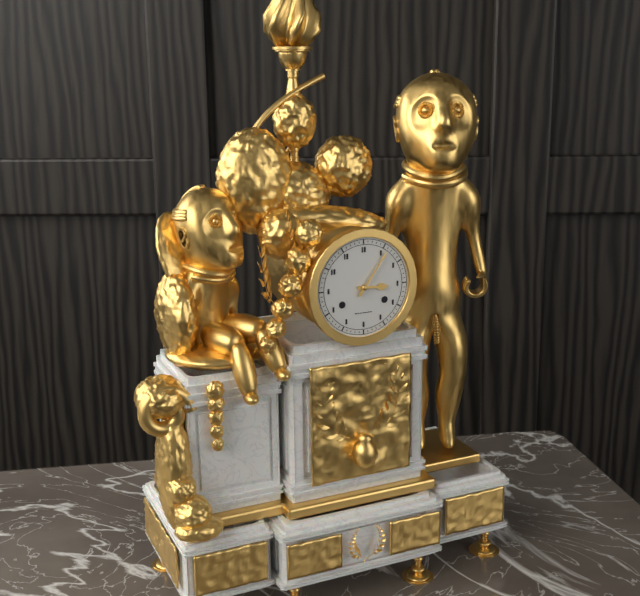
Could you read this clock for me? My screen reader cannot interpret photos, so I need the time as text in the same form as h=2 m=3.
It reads h=3 m=6
